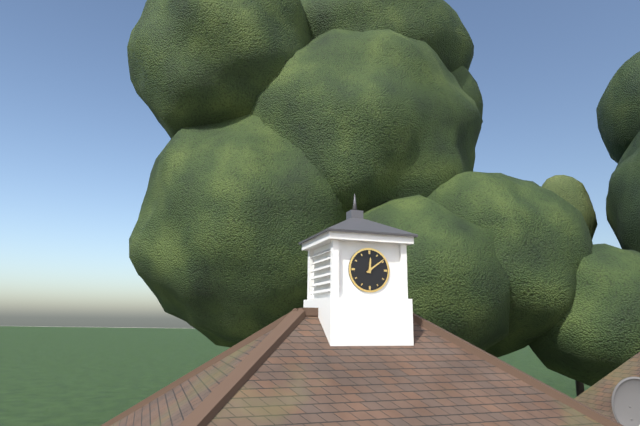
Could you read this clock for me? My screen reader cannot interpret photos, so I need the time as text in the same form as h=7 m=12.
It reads h=12 m=9
